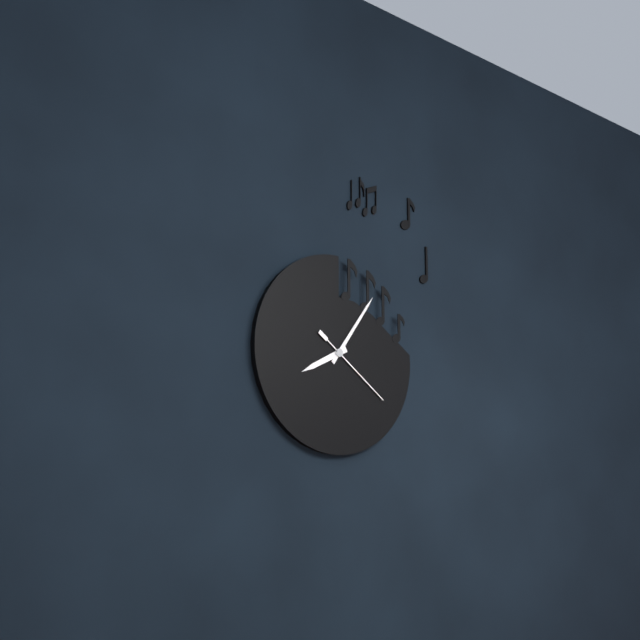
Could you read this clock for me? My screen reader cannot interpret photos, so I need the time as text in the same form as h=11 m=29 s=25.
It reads h=8 m=6 s=21
